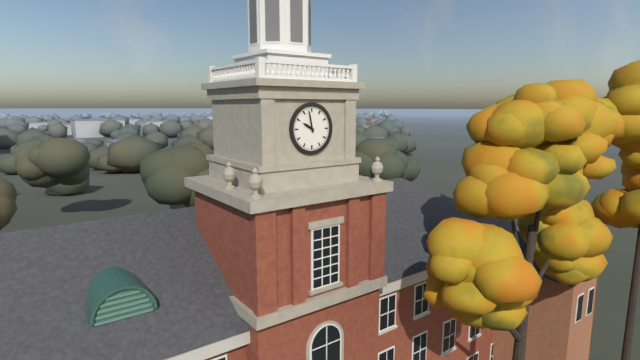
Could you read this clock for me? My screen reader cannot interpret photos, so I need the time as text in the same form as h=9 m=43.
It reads h=9 m=58
